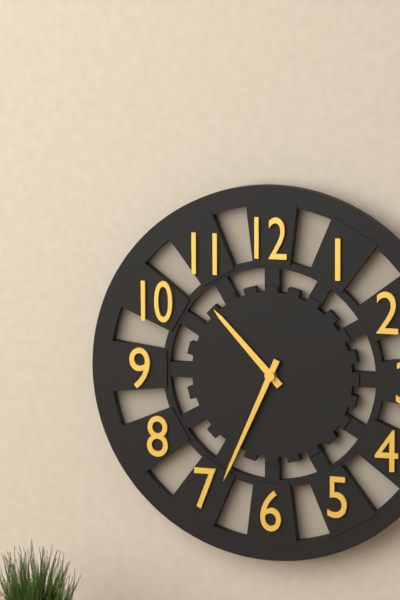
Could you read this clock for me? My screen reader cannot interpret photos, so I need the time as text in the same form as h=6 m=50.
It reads h=10 m=34
